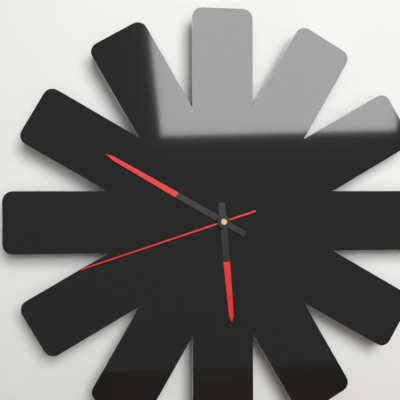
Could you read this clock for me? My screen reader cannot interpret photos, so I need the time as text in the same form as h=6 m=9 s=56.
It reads h=5 m=50 s=42
